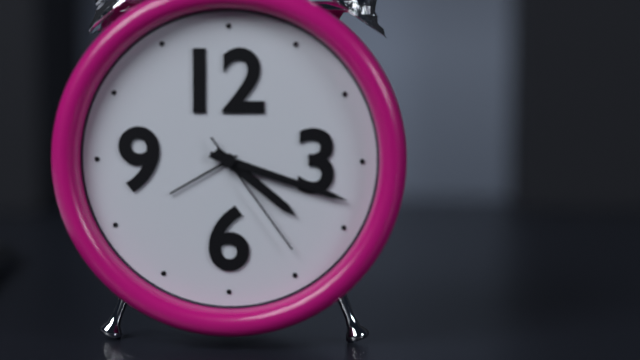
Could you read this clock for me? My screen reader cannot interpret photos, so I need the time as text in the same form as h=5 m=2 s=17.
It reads h=4 m=18 s=24
